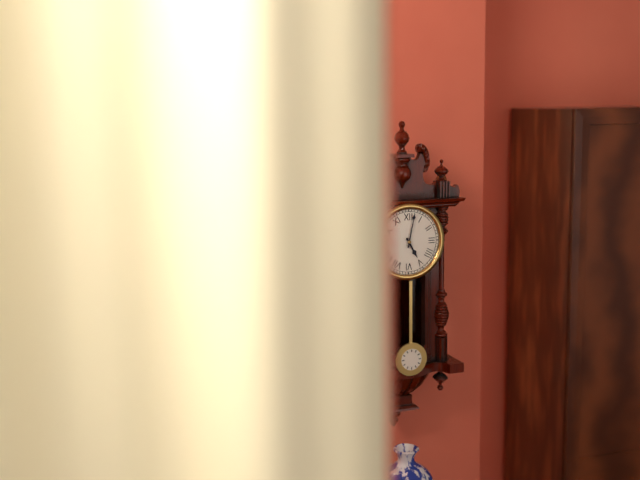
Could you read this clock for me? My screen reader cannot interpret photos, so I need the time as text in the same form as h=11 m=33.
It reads h=5 m=2
